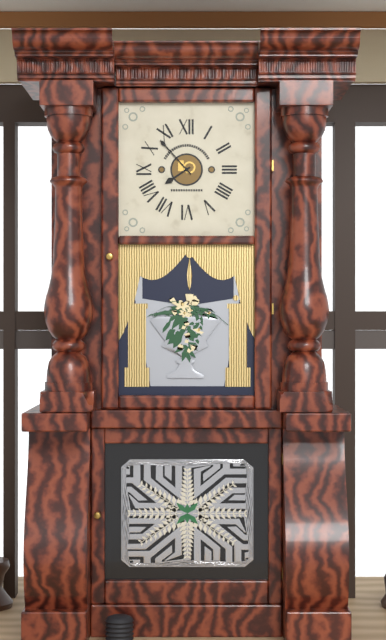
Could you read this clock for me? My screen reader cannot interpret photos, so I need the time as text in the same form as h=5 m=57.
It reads h=7 m=53
